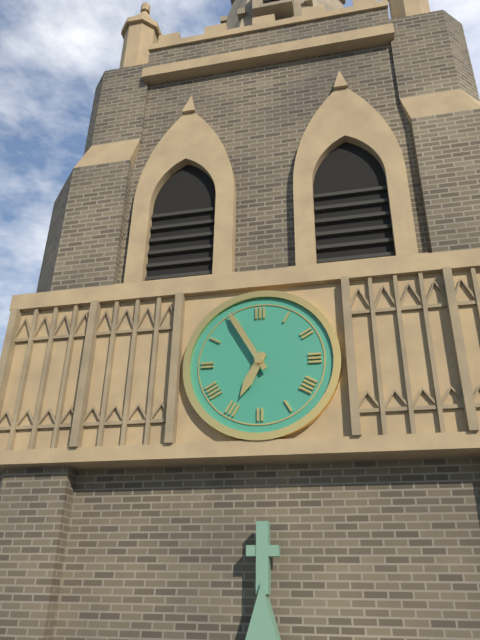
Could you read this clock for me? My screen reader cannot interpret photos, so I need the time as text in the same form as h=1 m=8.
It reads h=6 m=55
